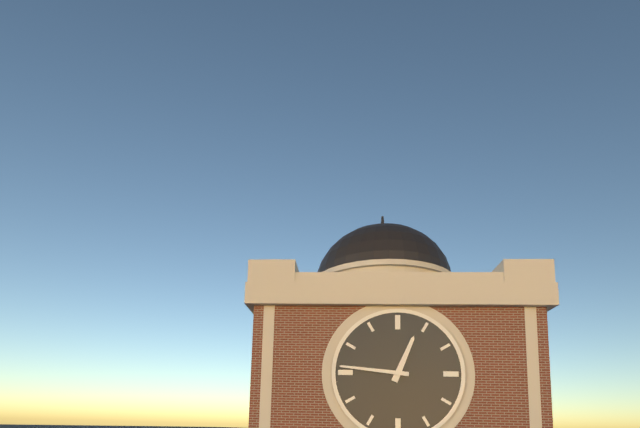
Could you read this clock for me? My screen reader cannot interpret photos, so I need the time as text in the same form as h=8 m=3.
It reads h=12 m=46
